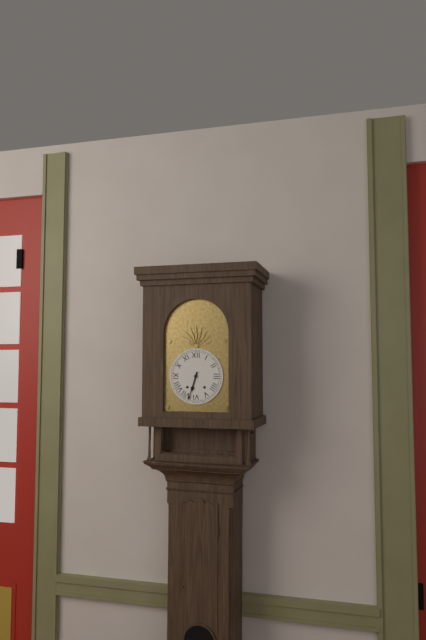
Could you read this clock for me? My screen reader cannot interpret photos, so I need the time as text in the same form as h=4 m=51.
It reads h=6 m=33
